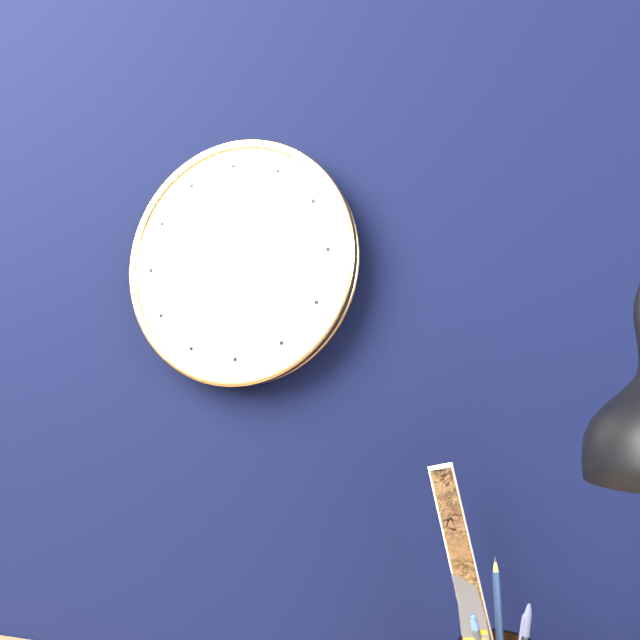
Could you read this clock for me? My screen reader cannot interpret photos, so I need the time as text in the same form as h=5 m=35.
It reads h=7 m=7
